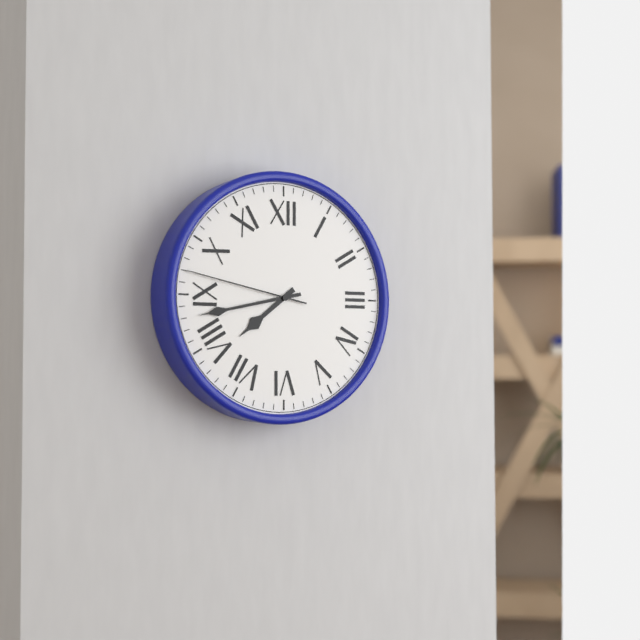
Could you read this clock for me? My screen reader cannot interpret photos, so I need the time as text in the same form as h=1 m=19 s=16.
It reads h=7 m=43 s=47
